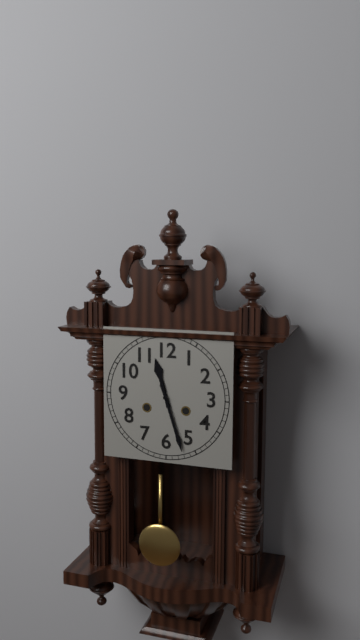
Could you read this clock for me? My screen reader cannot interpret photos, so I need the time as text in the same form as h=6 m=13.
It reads h=11 m=27
